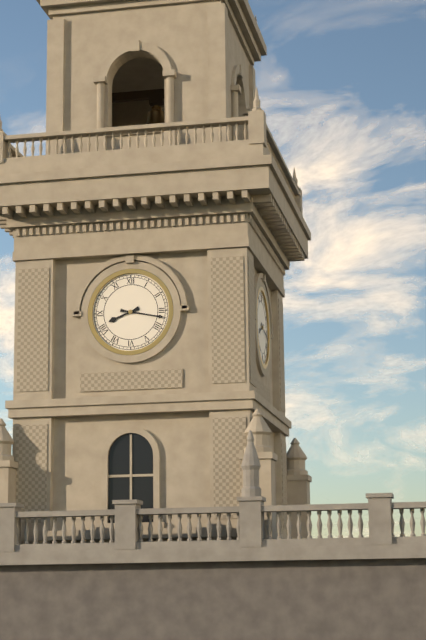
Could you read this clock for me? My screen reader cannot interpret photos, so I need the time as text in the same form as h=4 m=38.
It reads h=8 m=17
